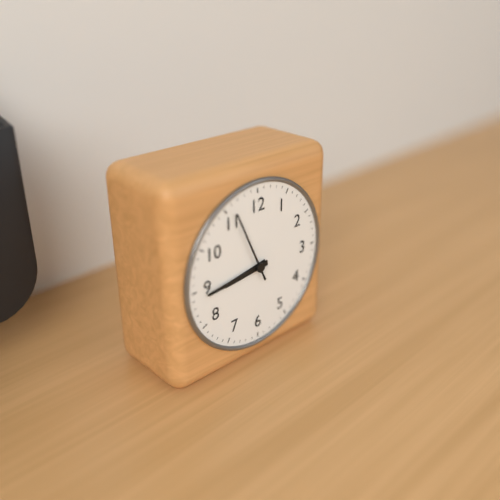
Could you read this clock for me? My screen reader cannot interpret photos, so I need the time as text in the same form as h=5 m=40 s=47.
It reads h=8 m=44 s=56
